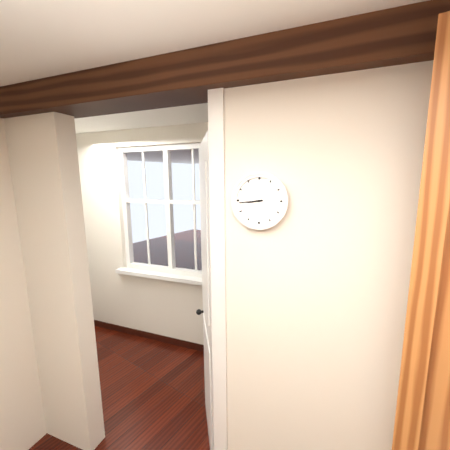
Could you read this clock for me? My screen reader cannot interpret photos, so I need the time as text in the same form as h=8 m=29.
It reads h=8 m=44
